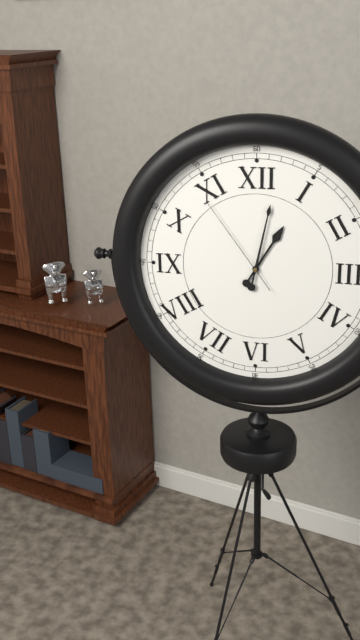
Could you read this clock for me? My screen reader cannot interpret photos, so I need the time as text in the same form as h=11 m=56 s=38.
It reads h=1 m=2 s=54
